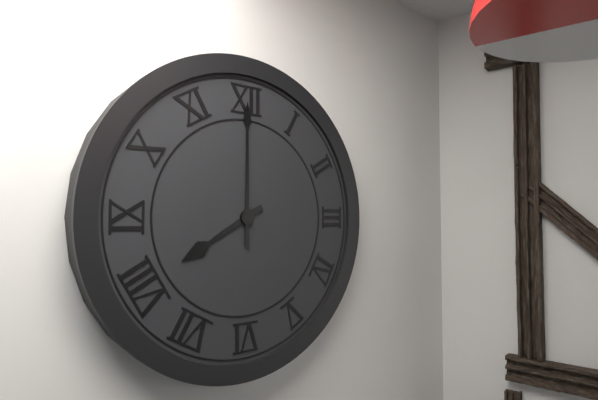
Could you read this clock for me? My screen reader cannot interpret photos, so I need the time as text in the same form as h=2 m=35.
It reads h=8 m=0
